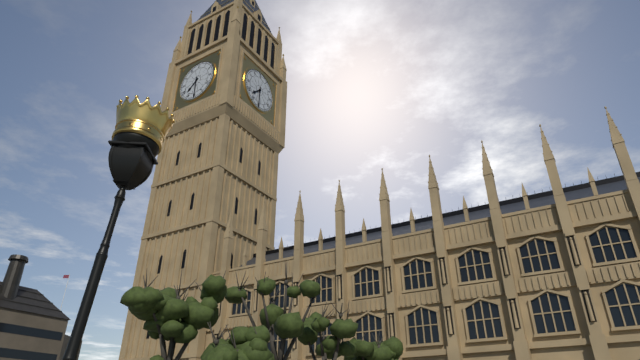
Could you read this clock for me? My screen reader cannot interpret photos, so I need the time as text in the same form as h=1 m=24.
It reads h=7 m=30
